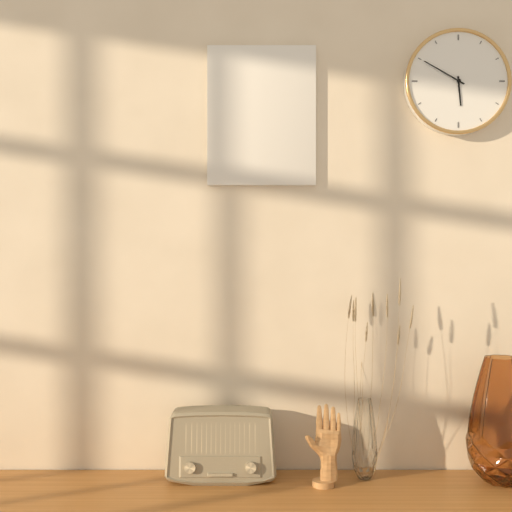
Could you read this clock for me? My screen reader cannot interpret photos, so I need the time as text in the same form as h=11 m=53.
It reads h=5 m=50
